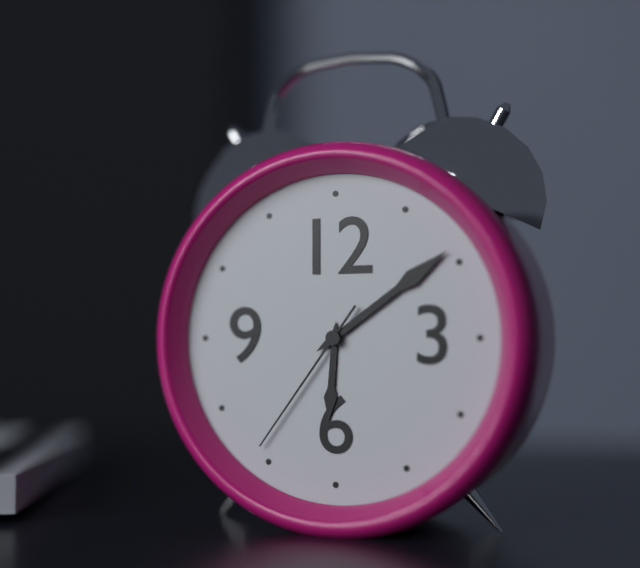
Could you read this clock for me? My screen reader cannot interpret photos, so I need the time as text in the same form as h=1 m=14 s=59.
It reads h=6 m=9 s=36
